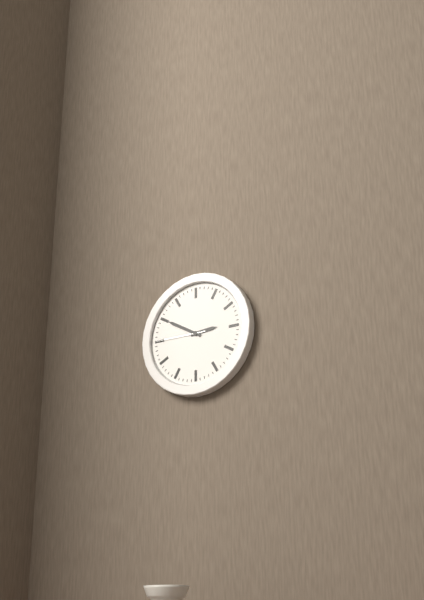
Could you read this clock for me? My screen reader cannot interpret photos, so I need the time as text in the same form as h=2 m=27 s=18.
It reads h=2 m=50 s=45
